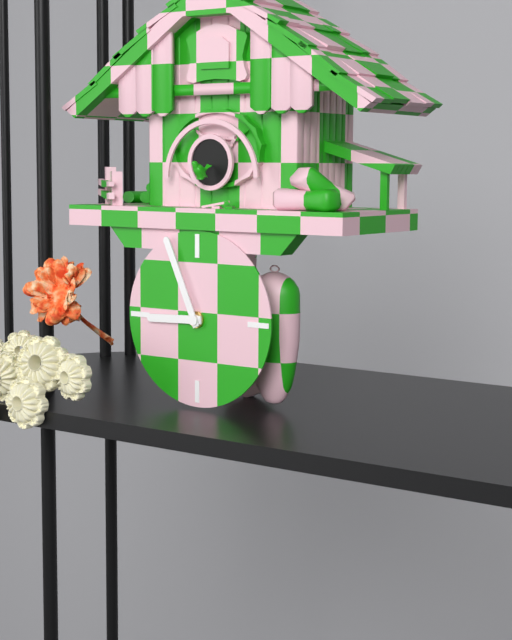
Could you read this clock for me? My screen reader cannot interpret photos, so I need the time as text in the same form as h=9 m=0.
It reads h=8 m=56
